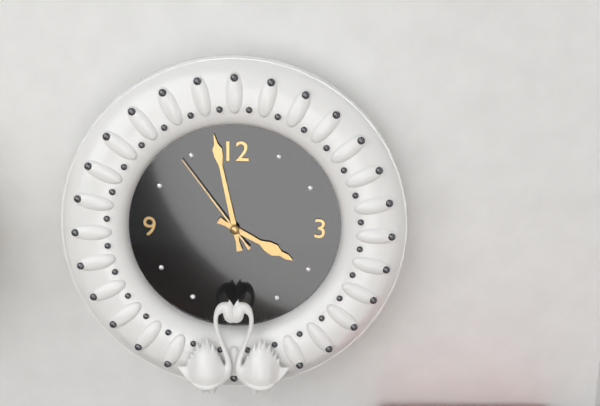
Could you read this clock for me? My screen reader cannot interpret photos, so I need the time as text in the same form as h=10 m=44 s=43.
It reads h=3 m=58 s=54
